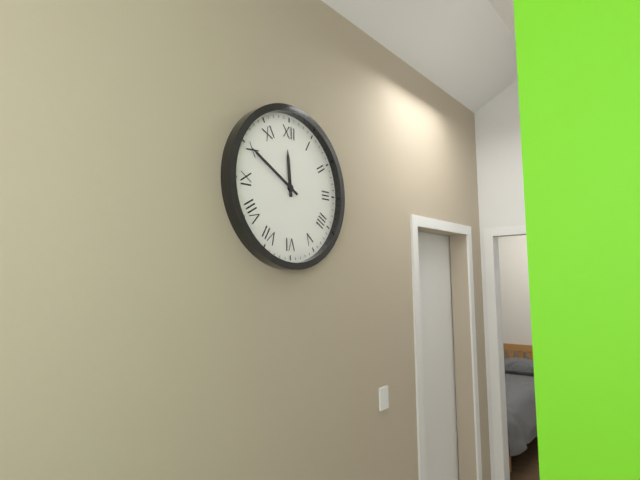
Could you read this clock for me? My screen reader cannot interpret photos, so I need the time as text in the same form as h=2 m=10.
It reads h=11 m=50
